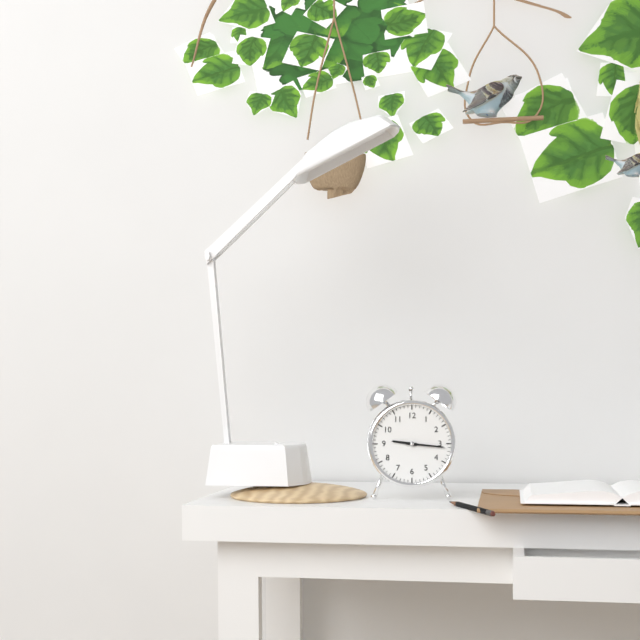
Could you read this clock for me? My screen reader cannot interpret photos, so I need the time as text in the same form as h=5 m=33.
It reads h=9 m=16
